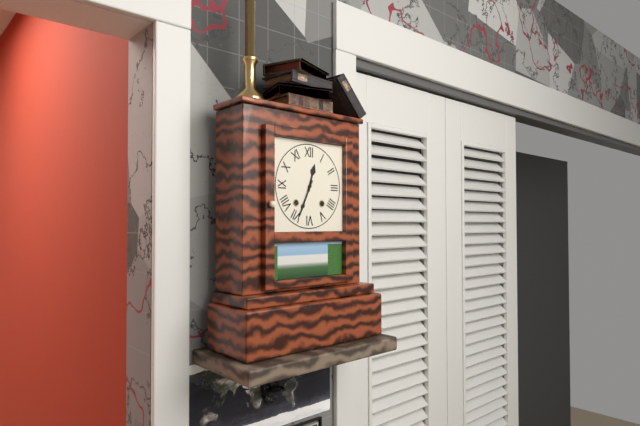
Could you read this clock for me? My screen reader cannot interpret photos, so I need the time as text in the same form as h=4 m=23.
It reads h=12 m=34
